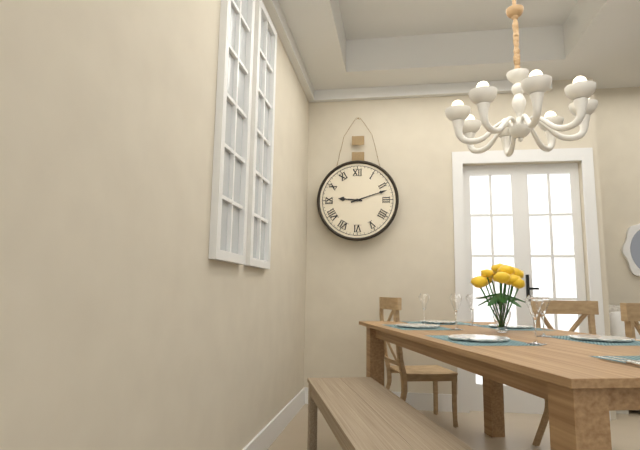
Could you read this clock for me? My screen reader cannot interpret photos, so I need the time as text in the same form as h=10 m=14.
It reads h=9 m=12
